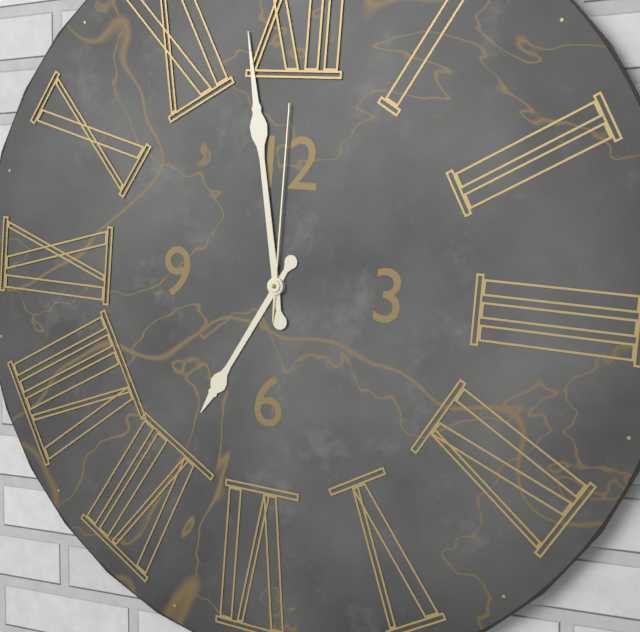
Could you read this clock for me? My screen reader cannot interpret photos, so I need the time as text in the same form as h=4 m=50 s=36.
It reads h=6 m=58 s=0
